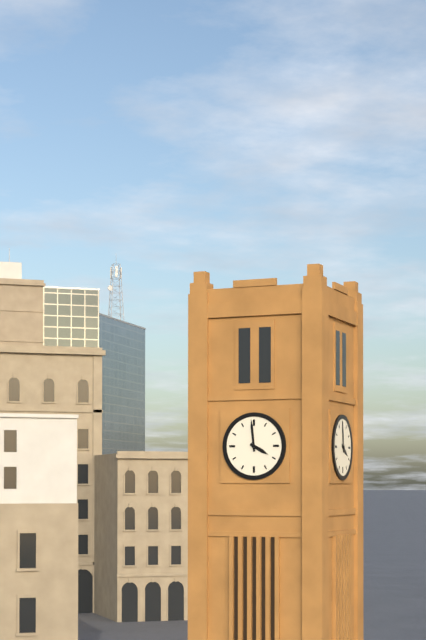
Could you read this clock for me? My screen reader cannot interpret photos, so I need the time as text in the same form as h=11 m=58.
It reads h=3 m=59
